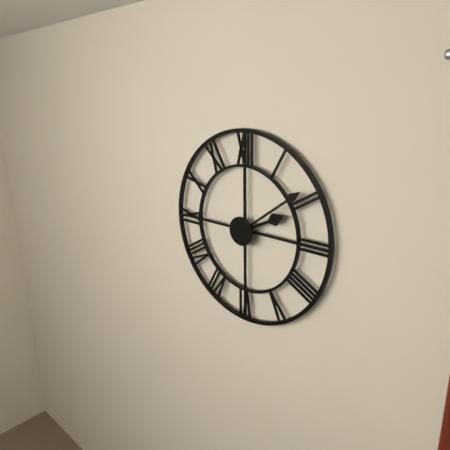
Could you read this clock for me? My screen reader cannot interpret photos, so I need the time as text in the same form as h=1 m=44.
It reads h=2 m=9
